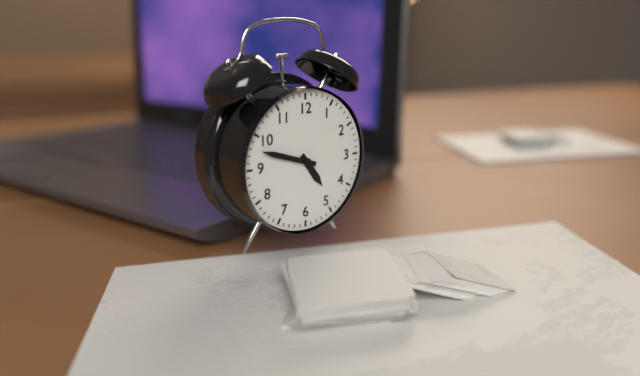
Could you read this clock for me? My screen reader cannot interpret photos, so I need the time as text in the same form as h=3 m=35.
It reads h=4 m=48
